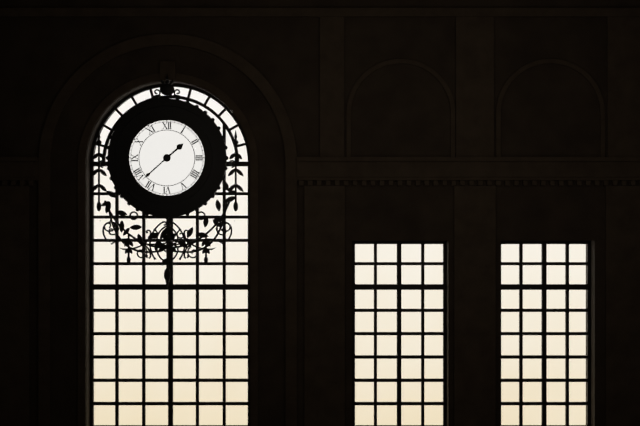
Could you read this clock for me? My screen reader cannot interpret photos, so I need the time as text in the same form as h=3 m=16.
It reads h=1 m=38
